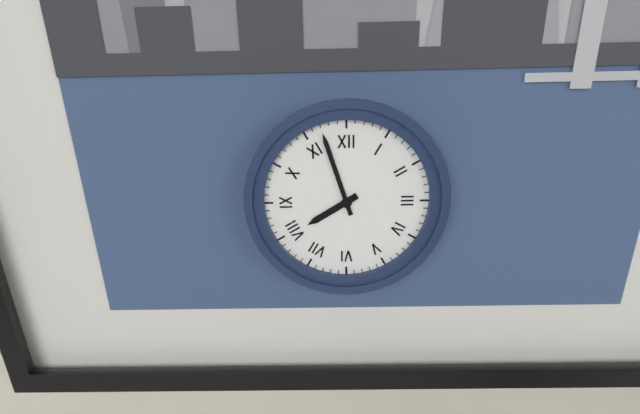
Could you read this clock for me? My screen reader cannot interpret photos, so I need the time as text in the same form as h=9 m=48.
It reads h=7 m=57
